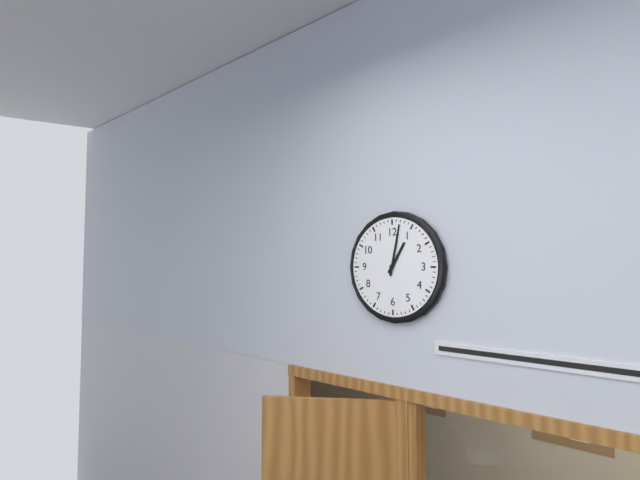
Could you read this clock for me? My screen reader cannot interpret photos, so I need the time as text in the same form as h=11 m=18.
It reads h=1 m=2
